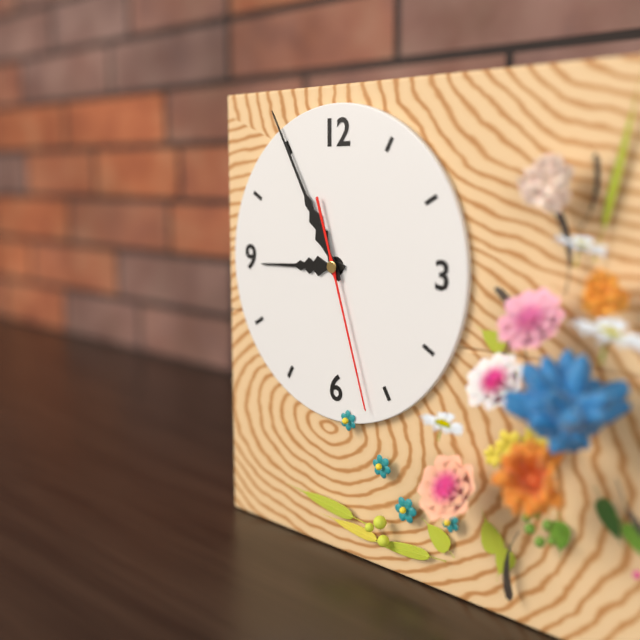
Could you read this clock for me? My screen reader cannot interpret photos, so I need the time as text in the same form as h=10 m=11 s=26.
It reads h=8 m=55 s=27
